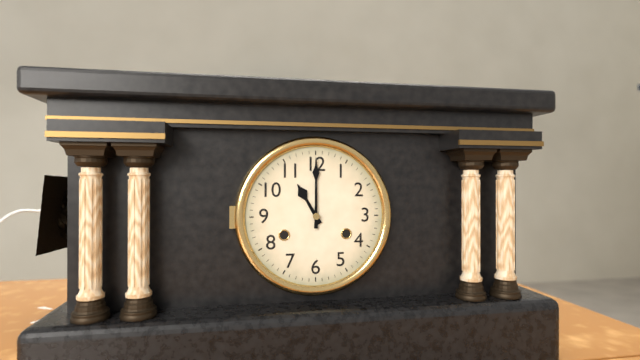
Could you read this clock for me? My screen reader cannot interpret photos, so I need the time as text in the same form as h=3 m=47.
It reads h=11 m=0
